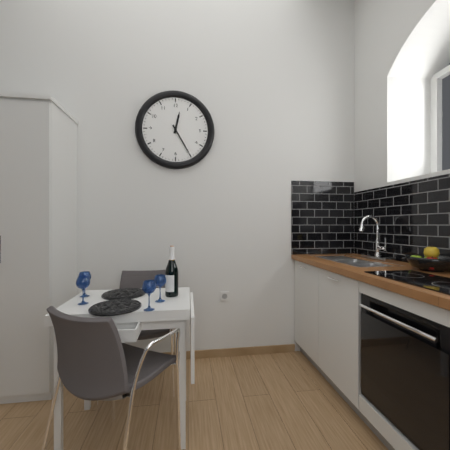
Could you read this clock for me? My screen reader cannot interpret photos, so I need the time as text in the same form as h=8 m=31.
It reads h=12 m=25
